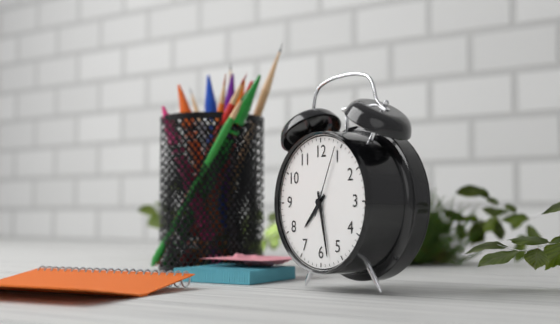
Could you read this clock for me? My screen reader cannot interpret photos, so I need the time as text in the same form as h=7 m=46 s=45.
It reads h=7 m=28 s=4
